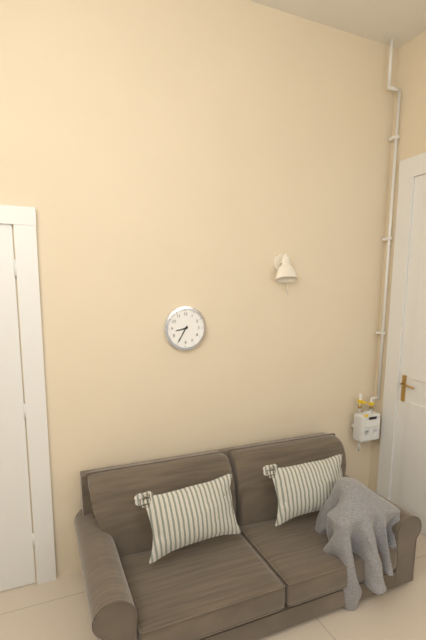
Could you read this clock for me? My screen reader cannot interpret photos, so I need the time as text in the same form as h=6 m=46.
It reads h=8 m=35
